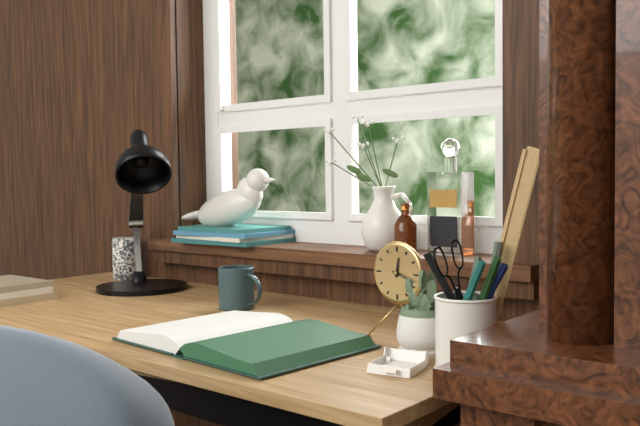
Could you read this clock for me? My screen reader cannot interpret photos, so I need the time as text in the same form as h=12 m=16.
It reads h=12 m=18
